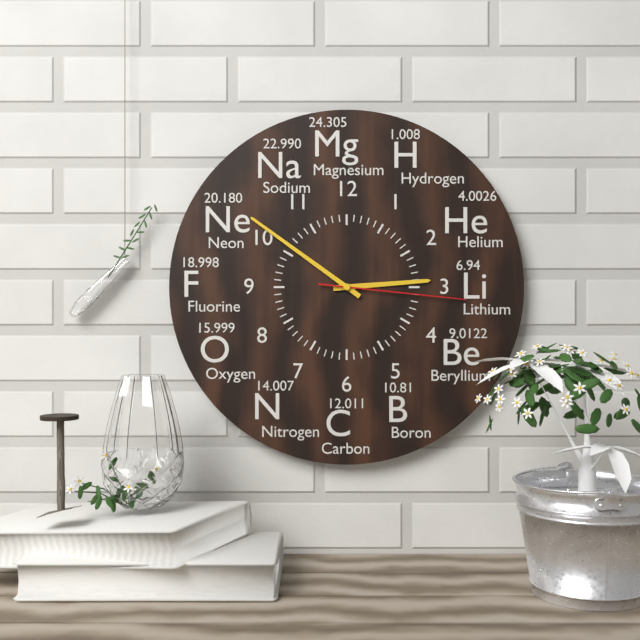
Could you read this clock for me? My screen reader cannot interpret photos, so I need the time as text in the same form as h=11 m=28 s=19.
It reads h=2 m=51 s=16
